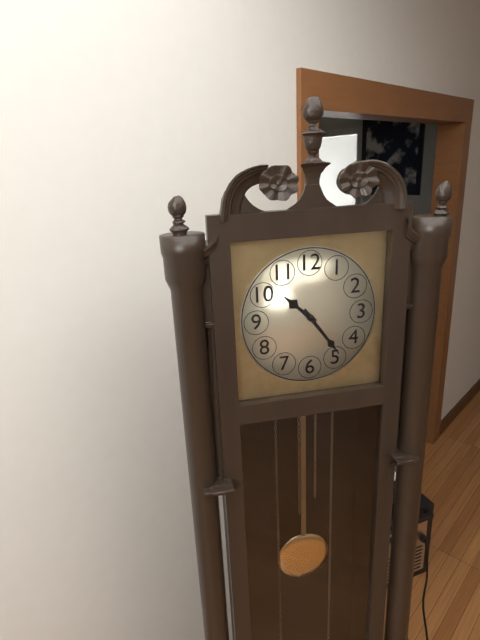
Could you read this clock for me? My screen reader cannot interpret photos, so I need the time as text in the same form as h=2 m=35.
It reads h=10 m=24
